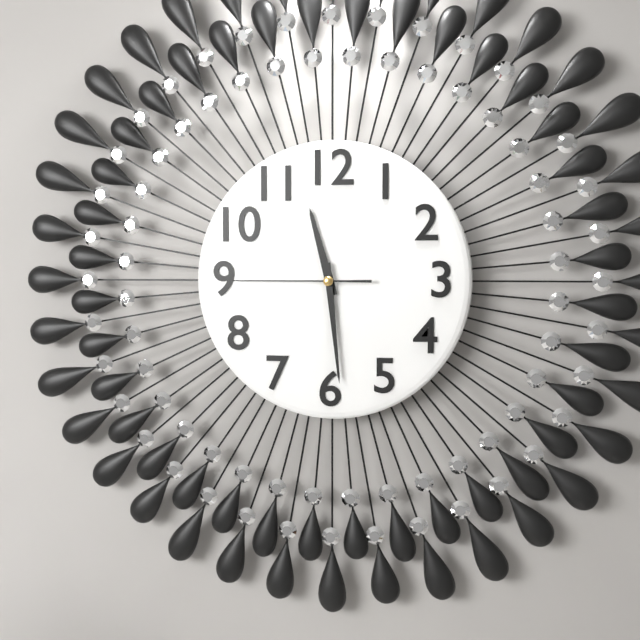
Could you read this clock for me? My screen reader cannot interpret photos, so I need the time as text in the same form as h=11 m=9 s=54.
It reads h=11 m=29 s=45
